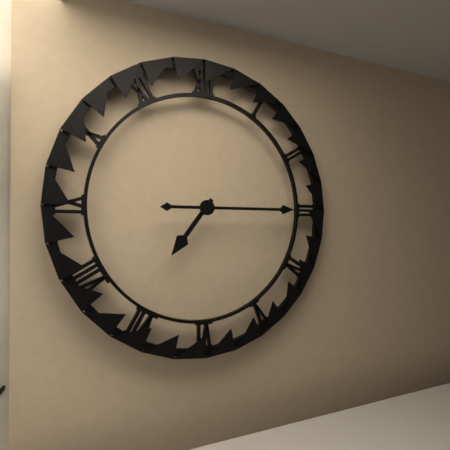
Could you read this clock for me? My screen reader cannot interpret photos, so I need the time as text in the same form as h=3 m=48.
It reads h=7 m=15
